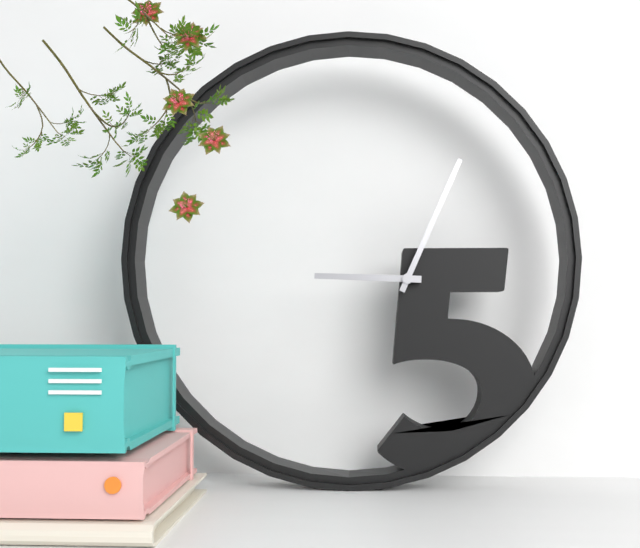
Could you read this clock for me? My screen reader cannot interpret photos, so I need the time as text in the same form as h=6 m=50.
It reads h=9 m=4
